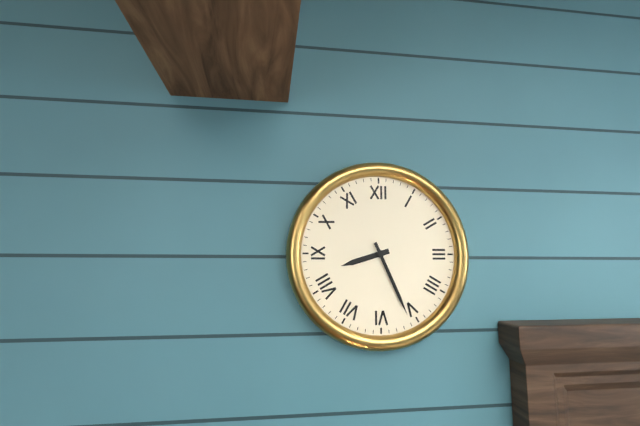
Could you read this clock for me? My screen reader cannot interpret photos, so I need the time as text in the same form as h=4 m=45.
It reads h=8 m=26
